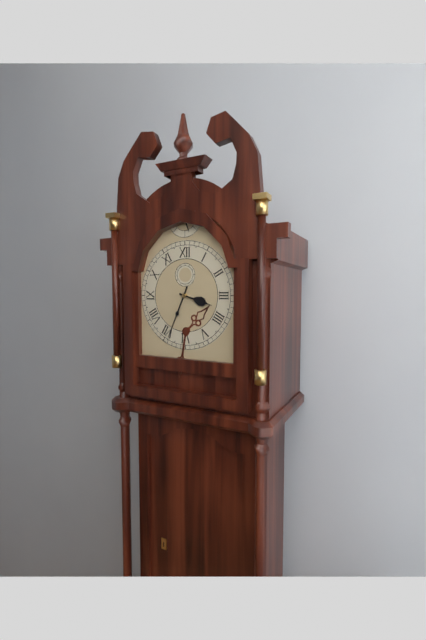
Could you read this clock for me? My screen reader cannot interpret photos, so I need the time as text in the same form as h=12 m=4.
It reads h=3 m=34
